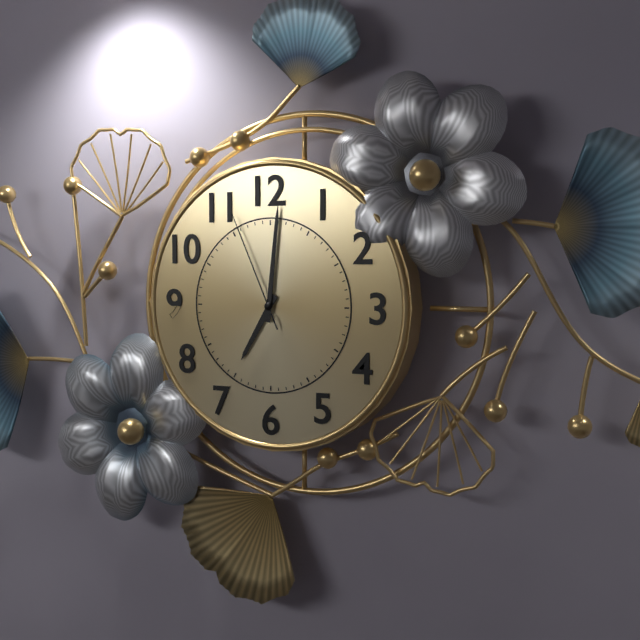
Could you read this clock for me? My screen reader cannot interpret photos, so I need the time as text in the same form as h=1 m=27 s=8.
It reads h=7 m=1 s=56
